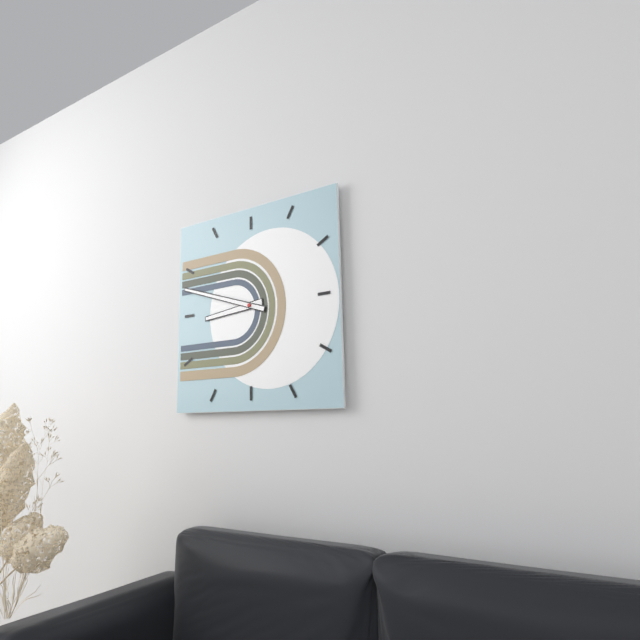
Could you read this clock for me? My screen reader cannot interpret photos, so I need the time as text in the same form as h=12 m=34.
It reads h=8 m=48
